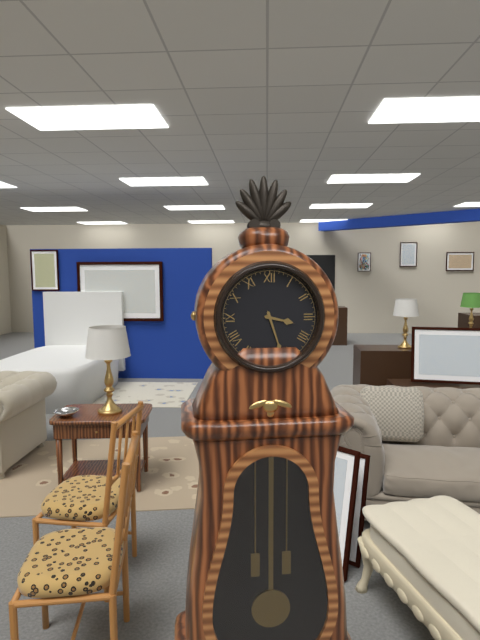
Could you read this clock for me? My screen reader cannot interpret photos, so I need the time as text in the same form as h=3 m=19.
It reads h=3 m=27
